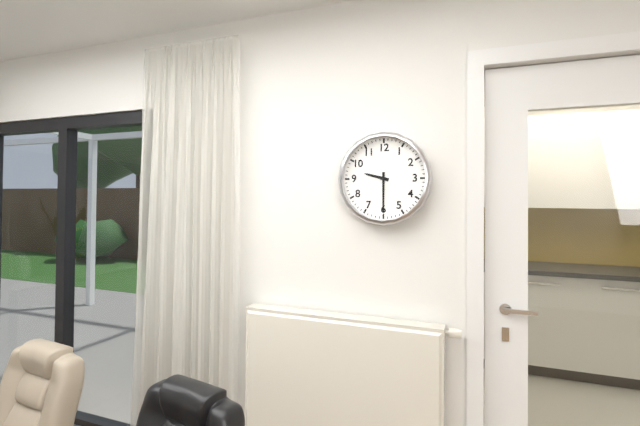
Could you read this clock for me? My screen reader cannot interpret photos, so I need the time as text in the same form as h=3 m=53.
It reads h=9 m=30
